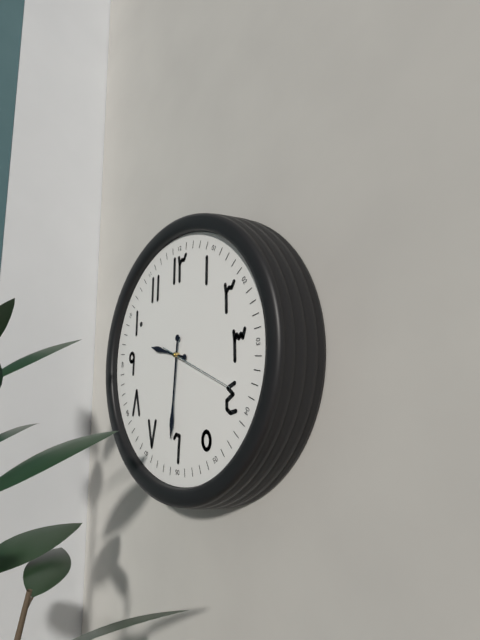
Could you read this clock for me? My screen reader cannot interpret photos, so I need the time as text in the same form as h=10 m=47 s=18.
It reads h=9 m=31 s=19
